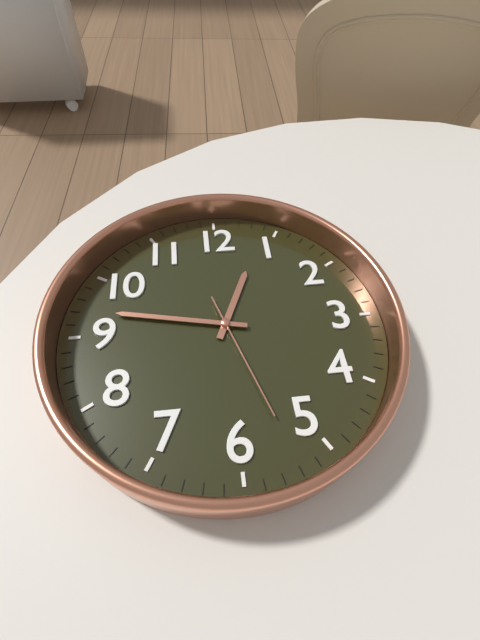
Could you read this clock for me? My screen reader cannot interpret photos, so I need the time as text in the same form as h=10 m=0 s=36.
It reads h=12 m=47 s=27
